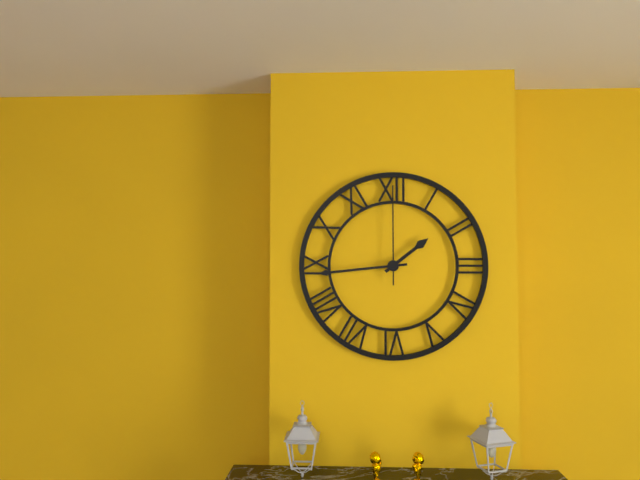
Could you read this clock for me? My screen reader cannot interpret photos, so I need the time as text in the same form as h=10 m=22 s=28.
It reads h=1 m=44 s=0
